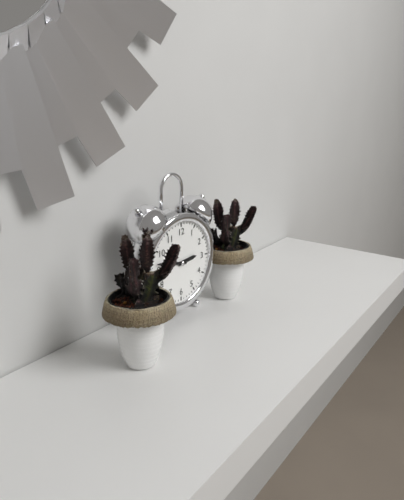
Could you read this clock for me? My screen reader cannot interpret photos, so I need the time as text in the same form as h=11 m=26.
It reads h=2 m=47
